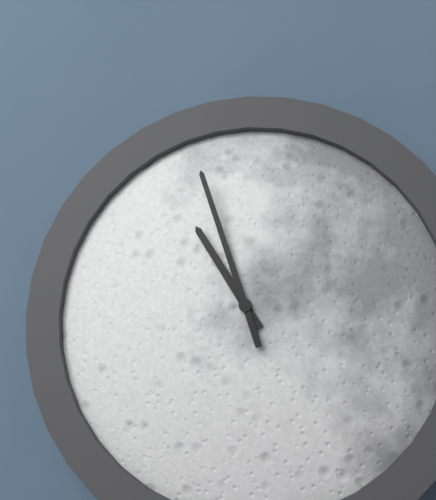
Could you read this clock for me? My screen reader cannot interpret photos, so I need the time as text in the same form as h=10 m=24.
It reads h=10 m=57
